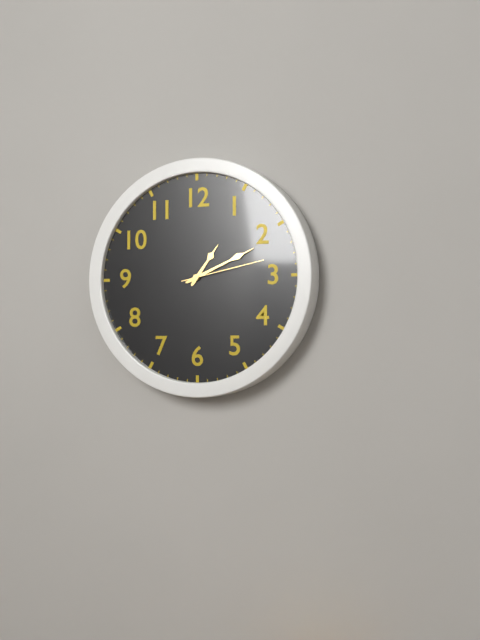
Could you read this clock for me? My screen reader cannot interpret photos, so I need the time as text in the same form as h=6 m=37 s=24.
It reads h=1 m=11 s=13
